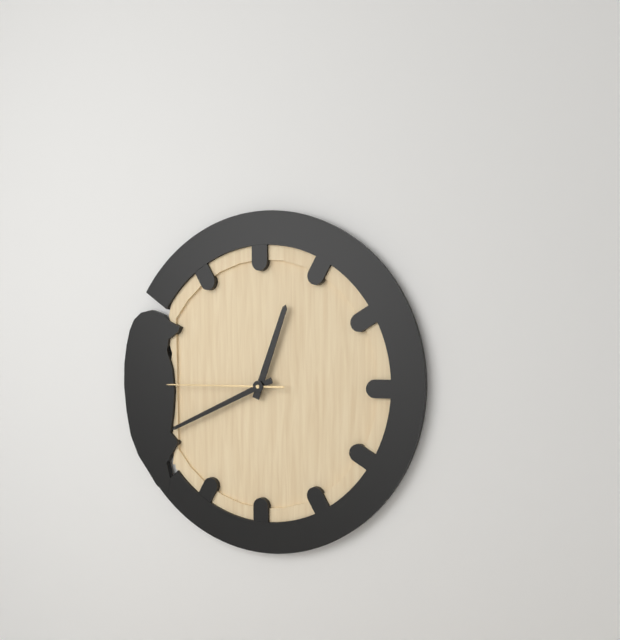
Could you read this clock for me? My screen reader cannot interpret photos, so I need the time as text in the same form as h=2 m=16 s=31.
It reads h=12 m=41 s=45
